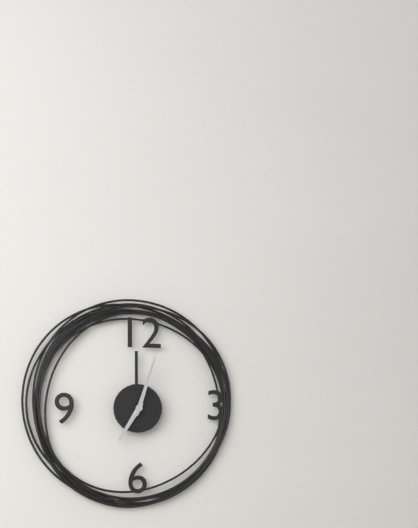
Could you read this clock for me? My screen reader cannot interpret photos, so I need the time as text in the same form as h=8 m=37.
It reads h=7 m=3
